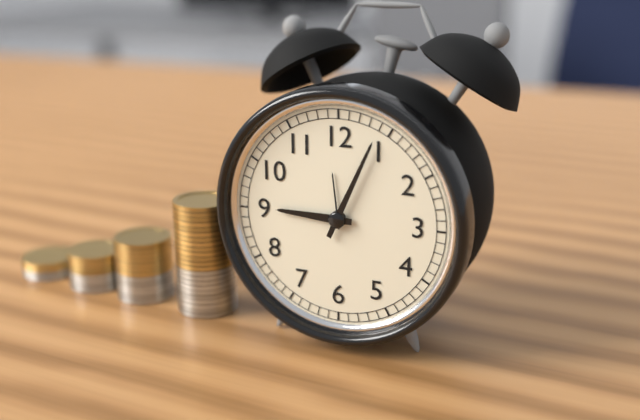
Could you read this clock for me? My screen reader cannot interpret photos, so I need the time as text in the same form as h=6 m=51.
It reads h=9 m=4
